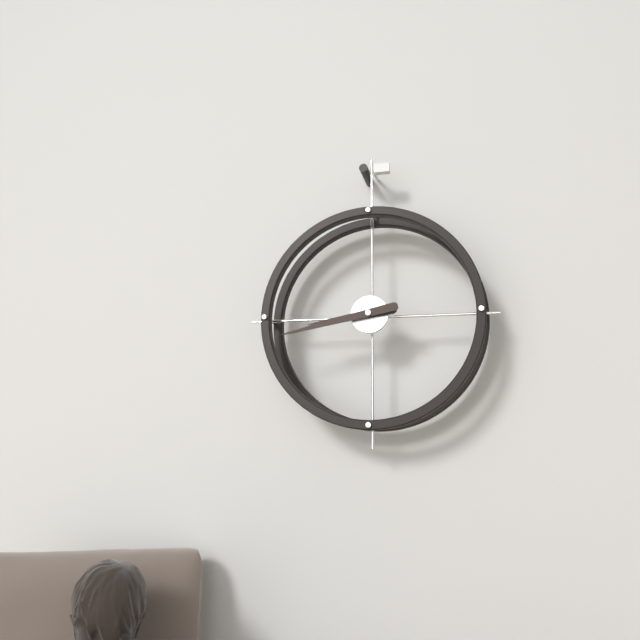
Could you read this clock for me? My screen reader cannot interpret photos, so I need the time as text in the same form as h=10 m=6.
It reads h=8 m=43
